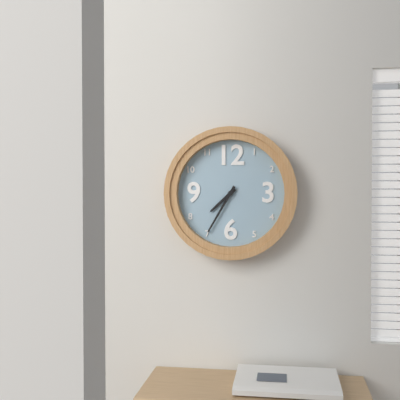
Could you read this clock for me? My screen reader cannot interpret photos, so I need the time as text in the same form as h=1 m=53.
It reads h=7 m=35
